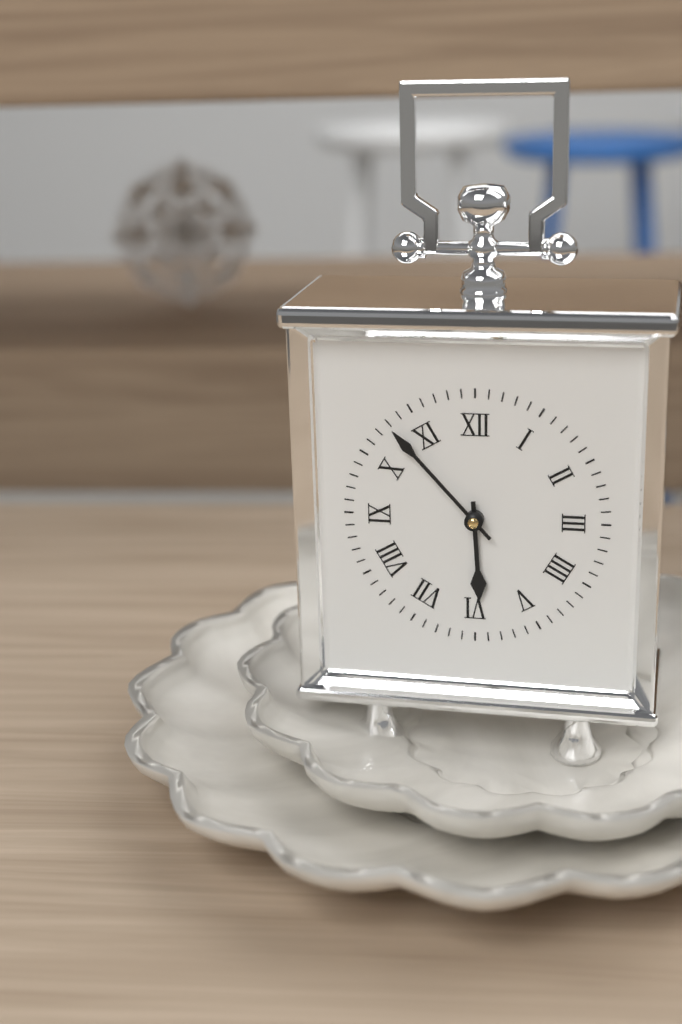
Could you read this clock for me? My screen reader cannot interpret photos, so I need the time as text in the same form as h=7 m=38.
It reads h=5 m=53
